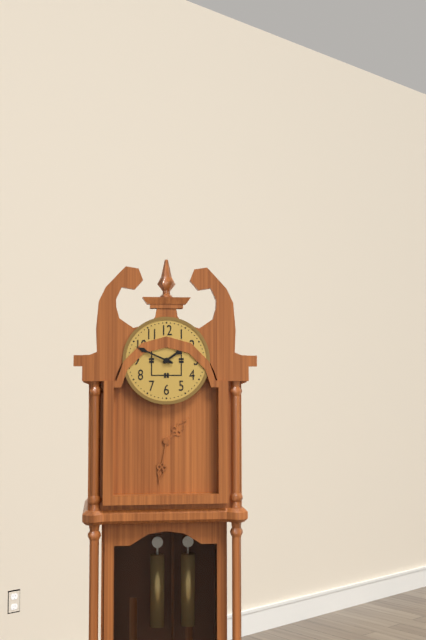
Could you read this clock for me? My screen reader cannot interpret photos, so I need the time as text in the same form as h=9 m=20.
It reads h=1 m=49
